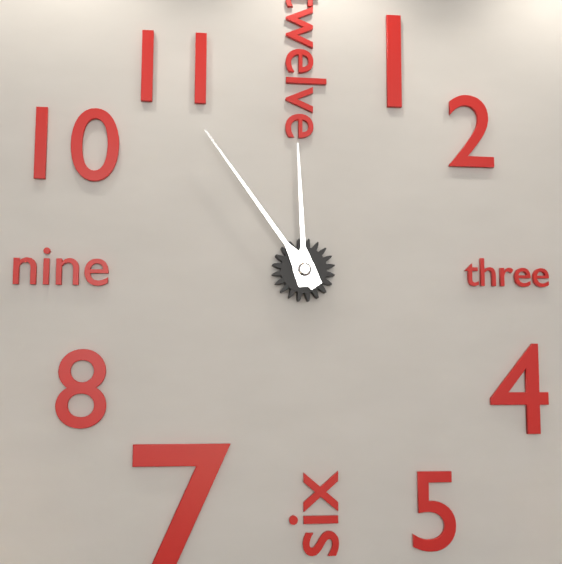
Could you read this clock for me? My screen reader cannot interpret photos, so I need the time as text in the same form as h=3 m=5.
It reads h=11 m=54
